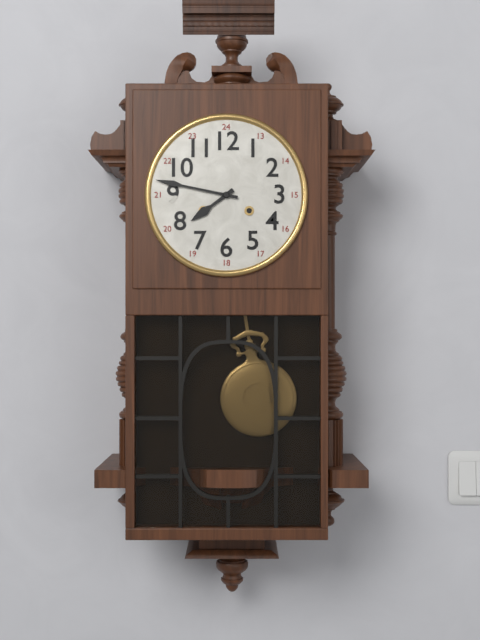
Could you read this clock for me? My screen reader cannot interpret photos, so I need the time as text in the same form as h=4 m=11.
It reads h=7 m=47
